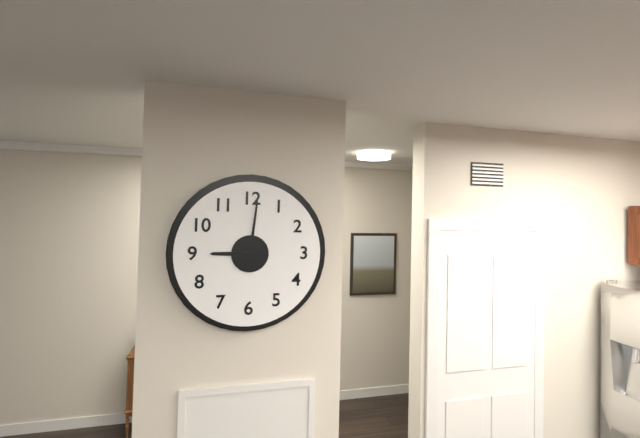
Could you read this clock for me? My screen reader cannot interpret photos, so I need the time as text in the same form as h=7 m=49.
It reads h=9 m=1
